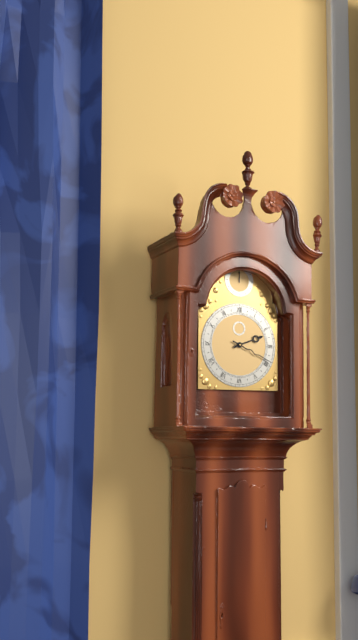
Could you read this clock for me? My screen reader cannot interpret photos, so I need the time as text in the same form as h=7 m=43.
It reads h=2 m=19
